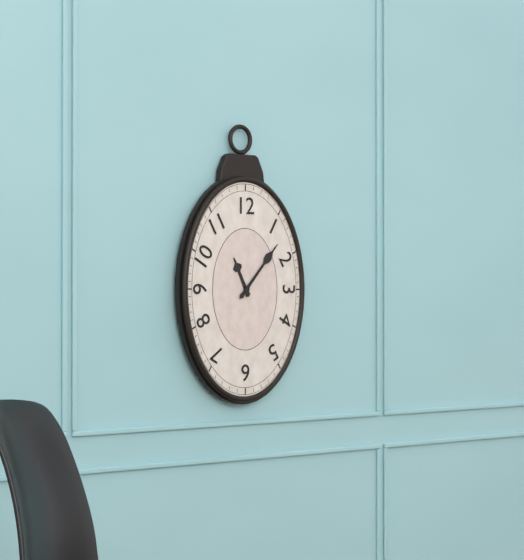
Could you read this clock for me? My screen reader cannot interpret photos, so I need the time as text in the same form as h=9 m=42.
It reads h=11 m=7
